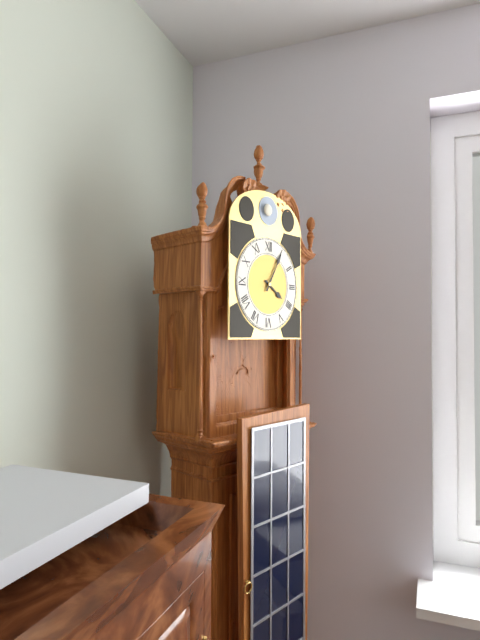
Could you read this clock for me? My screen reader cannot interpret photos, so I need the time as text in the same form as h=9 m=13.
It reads h=4 m=5
